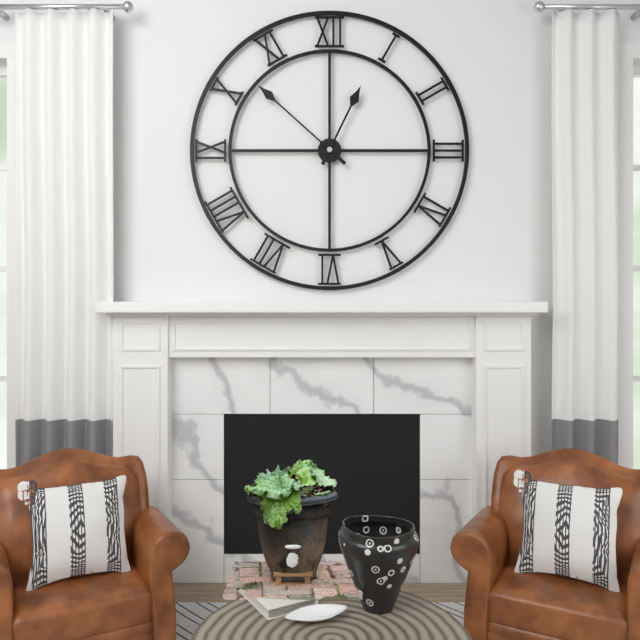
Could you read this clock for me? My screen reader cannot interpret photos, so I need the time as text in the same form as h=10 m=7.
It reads h=12 m=52
